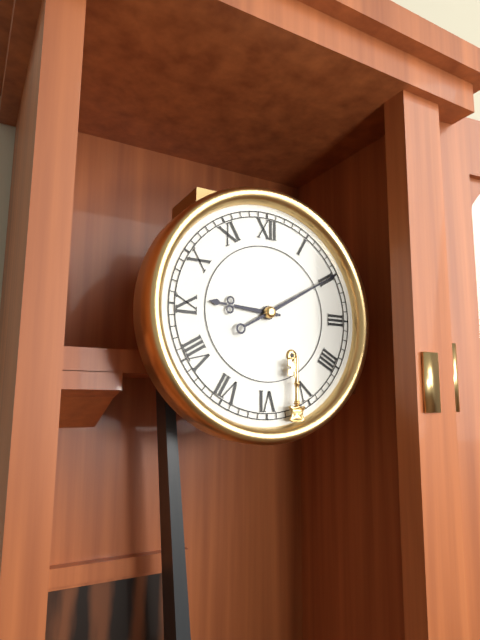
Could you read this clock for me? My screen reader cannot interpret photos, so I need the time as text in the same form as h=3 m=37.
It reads h=9 m=10
